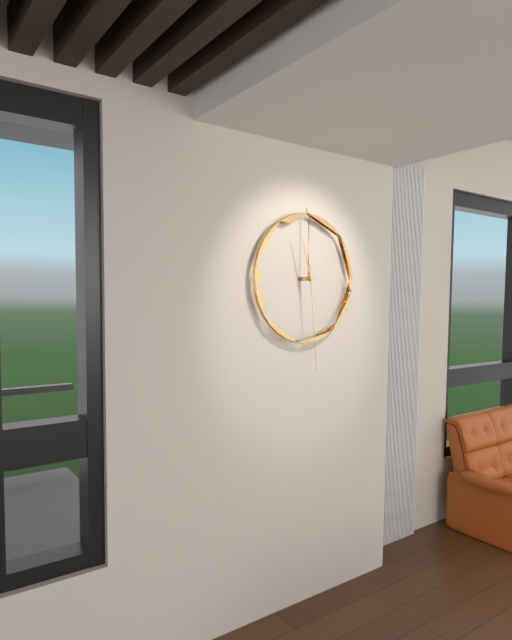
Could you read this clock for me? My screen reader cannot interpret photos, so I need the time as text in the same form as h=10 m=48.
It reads h=11 m=29
